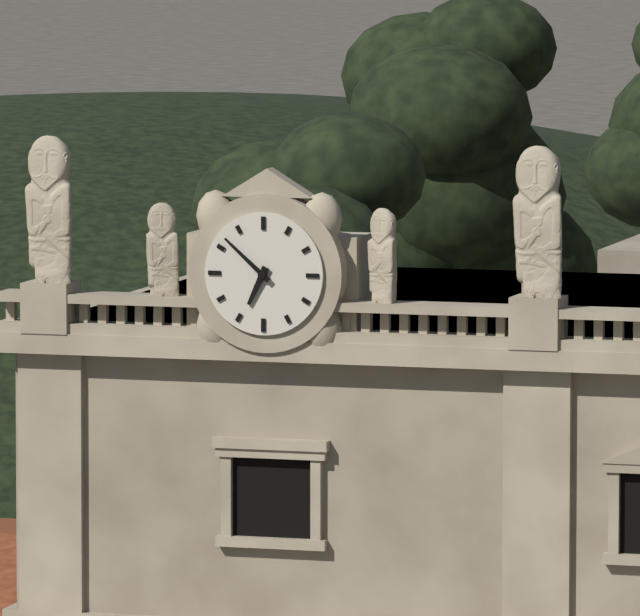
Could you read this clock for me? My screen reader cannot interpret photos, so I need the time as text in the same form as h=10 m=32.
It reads h=6 m=52
